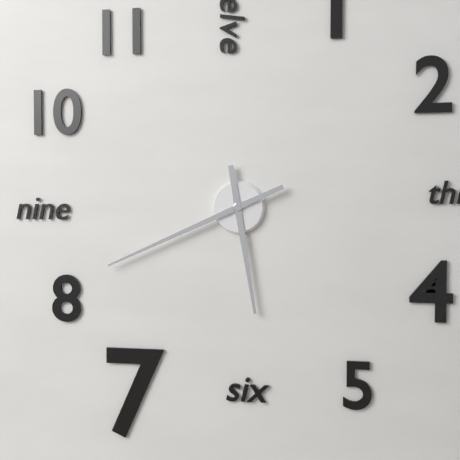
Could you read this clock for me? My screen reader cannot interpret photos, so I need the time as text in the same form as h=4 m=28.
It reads h=5 m=41
